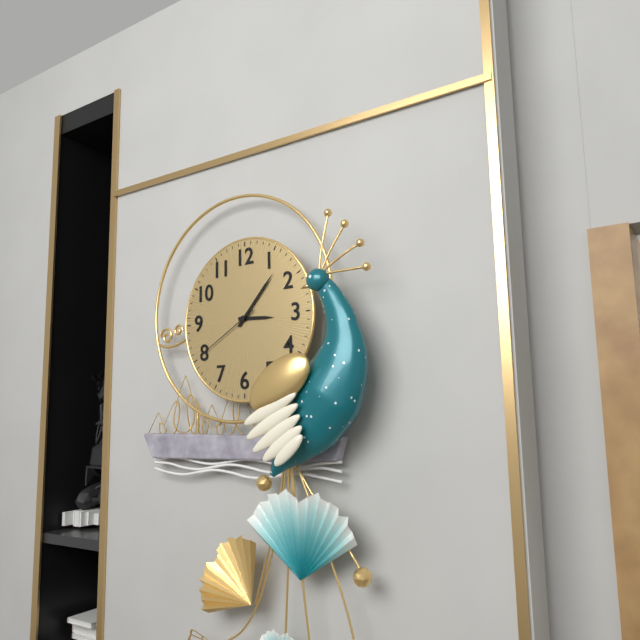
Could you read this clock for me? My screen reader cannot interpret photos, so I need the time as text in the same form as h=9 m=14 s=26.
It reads h=3 m=7 s=40
